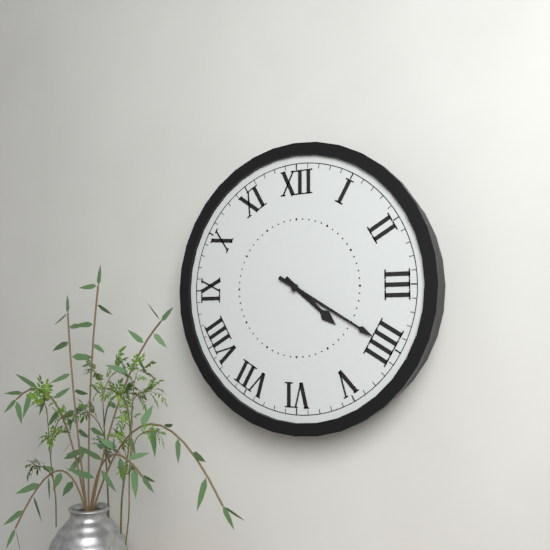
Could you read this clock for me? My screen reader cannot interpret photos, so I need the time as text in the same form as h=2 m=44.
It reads h=4 m=20
